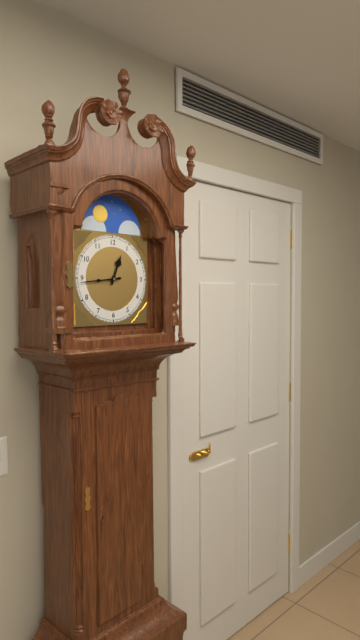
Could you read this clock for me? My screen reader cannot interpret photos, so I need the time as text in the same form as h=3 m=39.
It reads h=12 m=44
